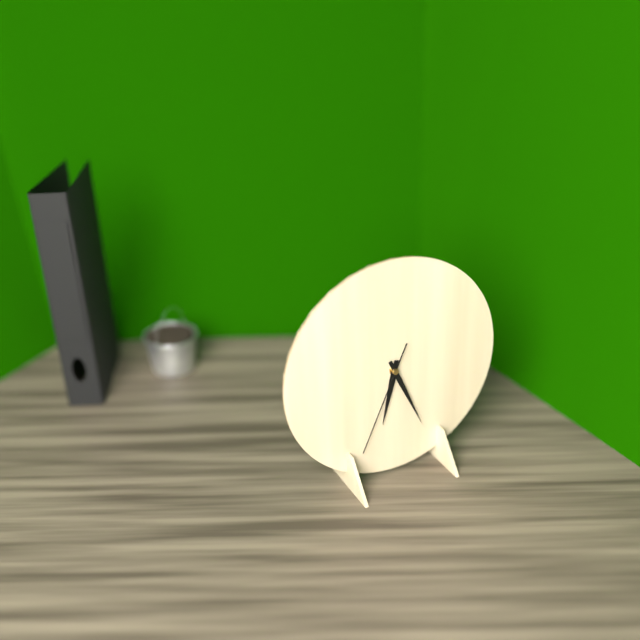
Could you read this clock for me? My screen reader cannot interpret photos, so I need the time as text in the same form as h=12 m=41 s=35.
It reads h=6 m=26 s=34
